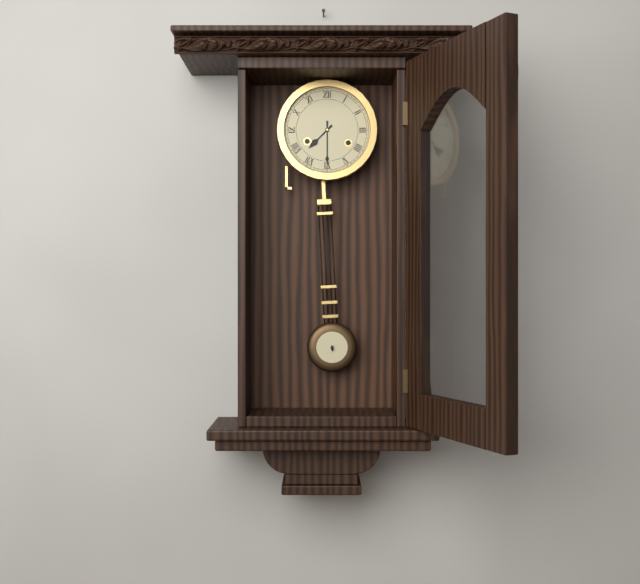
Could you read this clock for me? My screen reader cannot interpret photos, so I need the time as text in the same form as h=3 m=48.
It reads h=7 m=30
